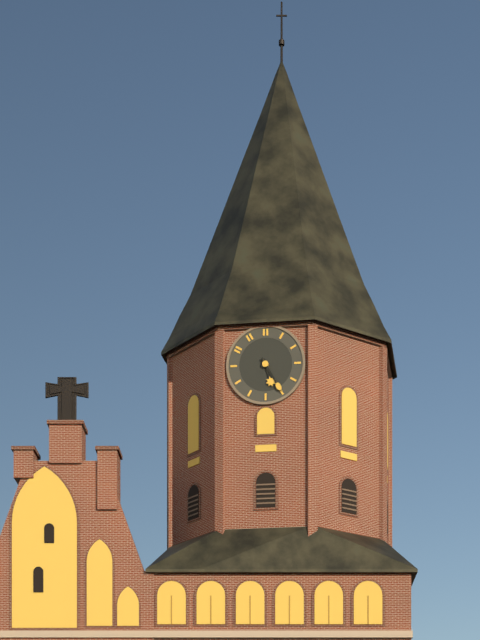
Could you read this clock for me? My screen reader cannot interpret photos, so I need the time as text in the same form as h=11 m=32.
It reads h=5 m=25
